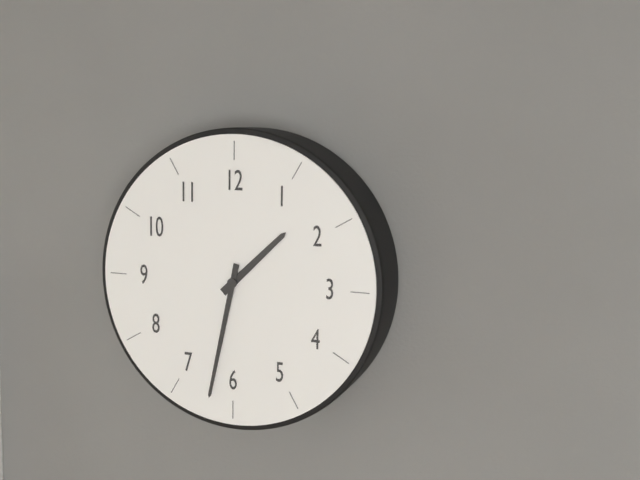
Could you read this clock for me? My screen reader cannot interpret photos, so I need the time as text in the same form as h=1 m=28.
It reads h=1 m=32
